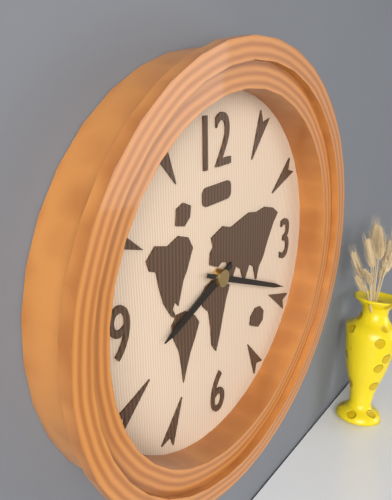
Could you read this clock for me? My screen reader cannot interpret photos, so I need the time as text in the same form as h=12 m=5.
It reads h=8 m=19
